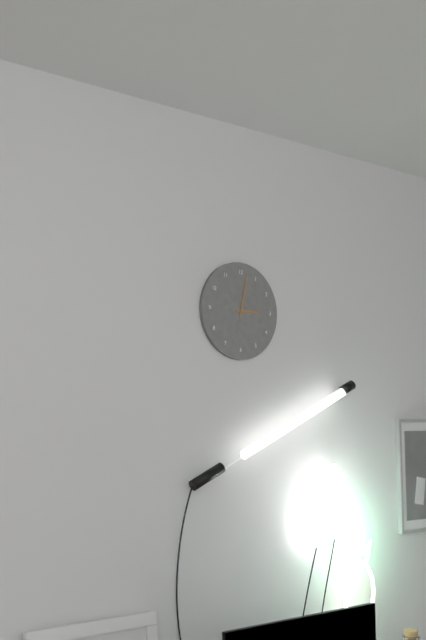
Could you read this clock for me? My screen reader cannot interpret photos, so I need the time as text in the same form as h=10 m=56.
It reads h=3 m=2
